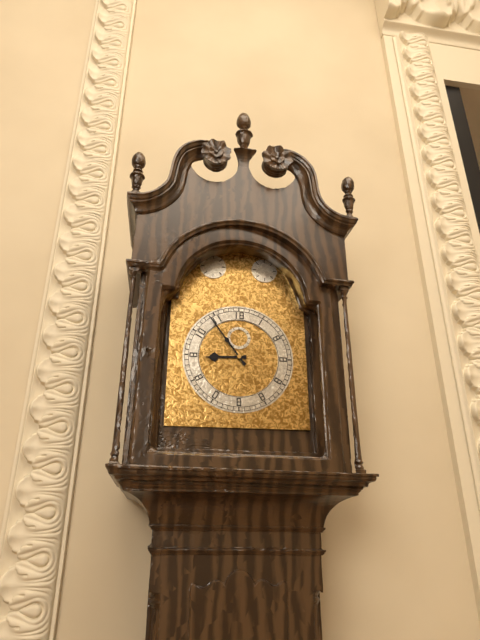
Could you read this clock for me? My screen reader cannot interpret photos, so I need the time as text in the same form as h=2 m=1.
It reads h=8 m=54
